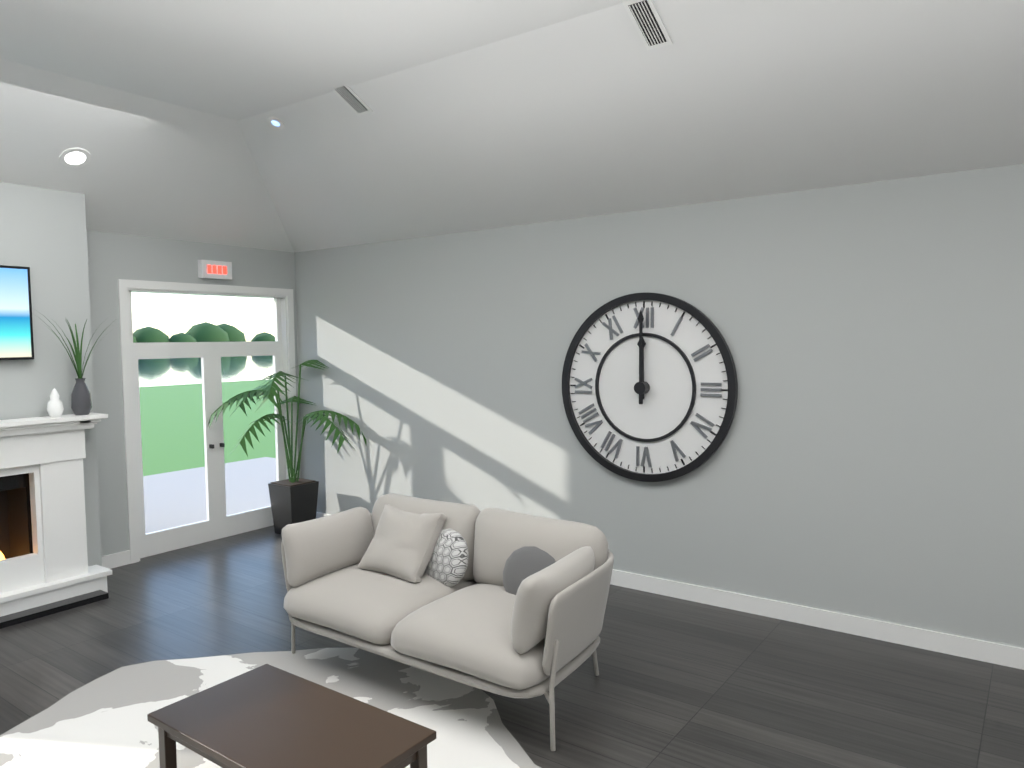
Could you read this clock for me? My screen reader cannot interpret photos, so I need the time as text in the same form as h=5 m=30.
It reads h=12 m=0
